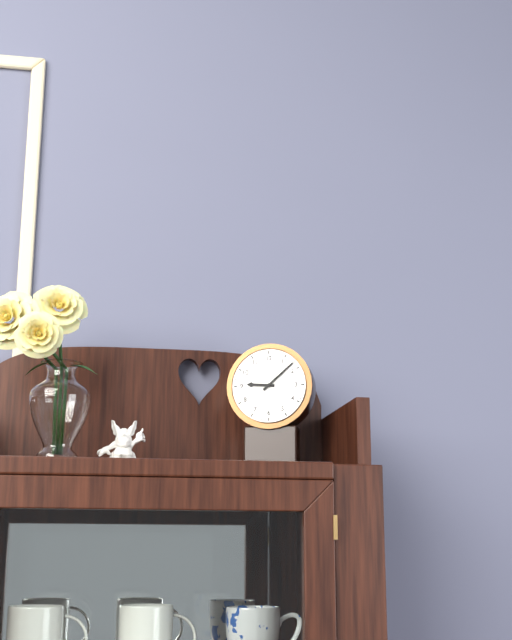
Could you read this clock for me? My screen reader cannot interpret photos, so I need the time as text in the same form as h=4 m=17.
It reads h=9 m=8
